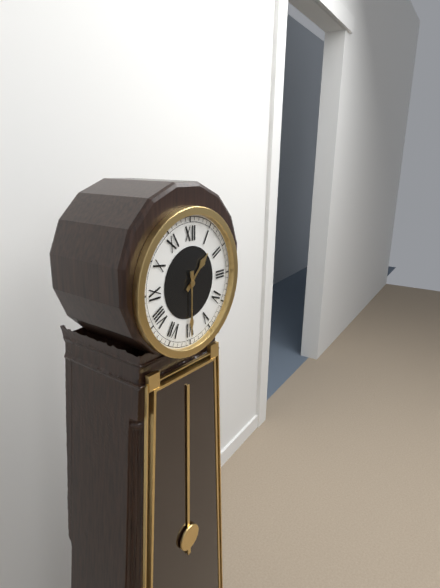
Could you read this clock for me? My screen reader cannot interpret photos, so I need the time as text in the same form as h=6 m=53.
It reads h=1 m=30
